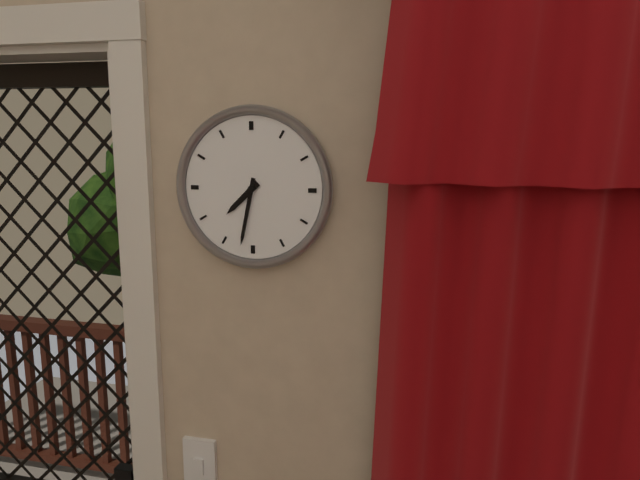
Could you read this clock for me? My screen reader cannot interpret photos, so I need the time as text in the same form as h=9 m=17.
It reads h=7 m=32
